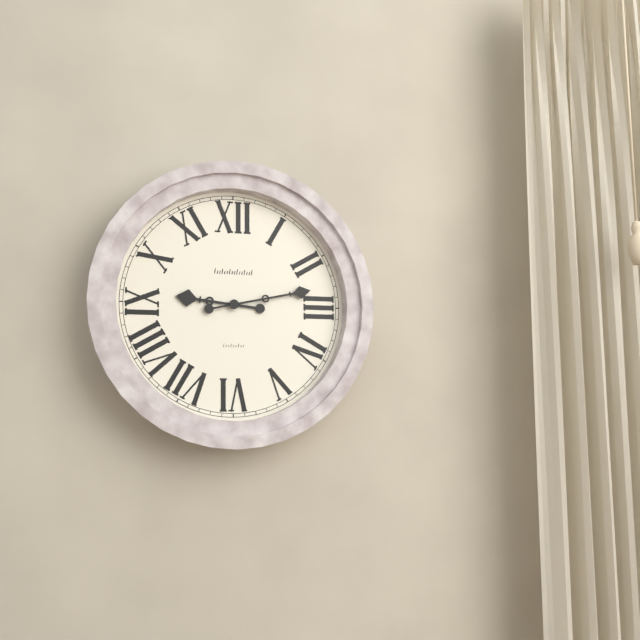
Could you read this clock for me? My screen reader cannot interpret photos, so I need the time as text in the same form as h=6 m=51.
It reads h=9 m=13
